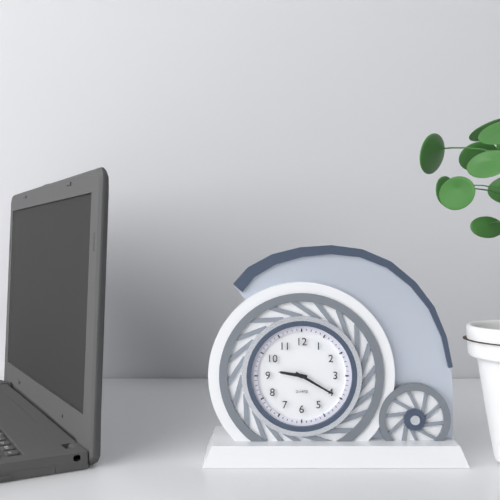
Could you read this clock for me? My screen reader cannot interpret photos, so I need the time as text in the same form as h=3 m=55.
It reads h=9 m=20
